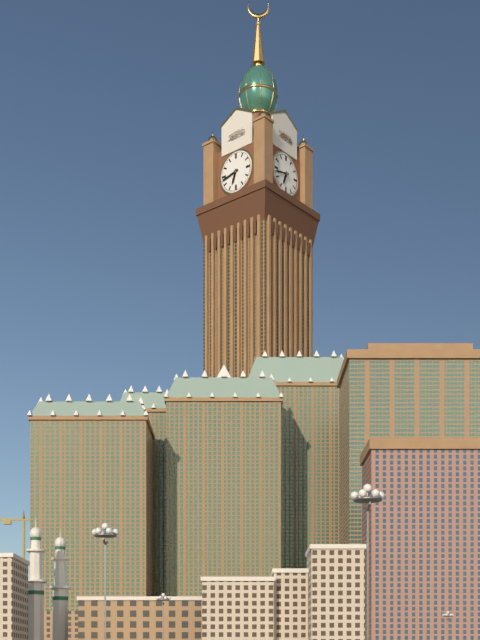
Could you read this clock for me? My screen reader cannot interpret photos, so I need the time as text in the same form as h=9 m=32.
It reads h=6 m=43
